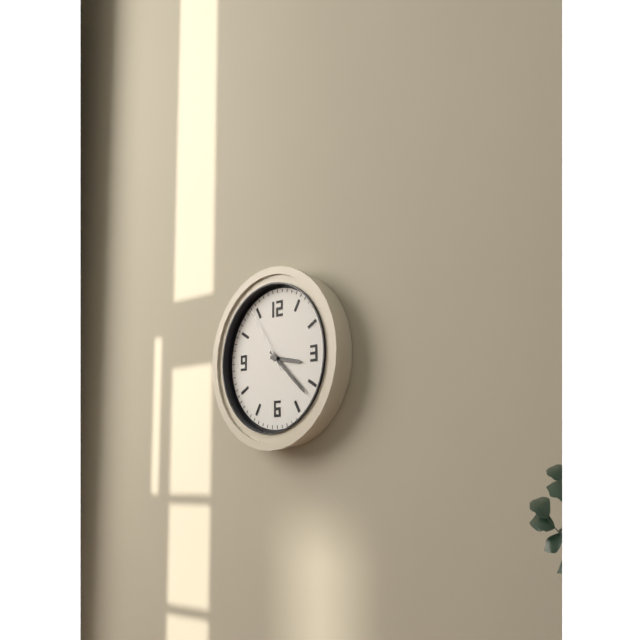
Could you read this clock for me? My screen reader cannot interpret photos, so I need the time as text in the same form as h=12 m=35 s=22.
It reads h=3 m=22 s=54
